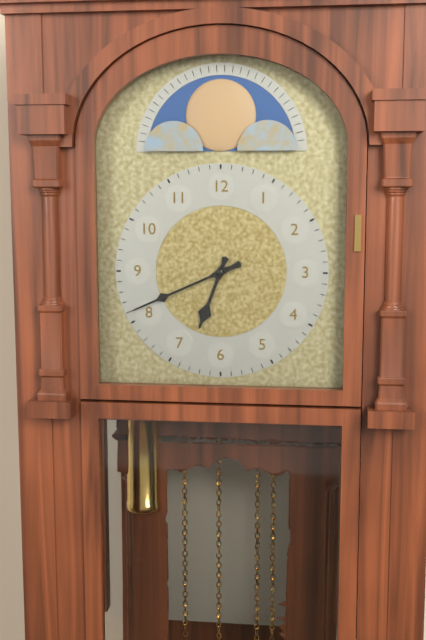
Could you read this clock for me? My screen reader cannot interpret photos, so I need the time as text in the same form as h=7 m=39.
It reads h=6 m=41
